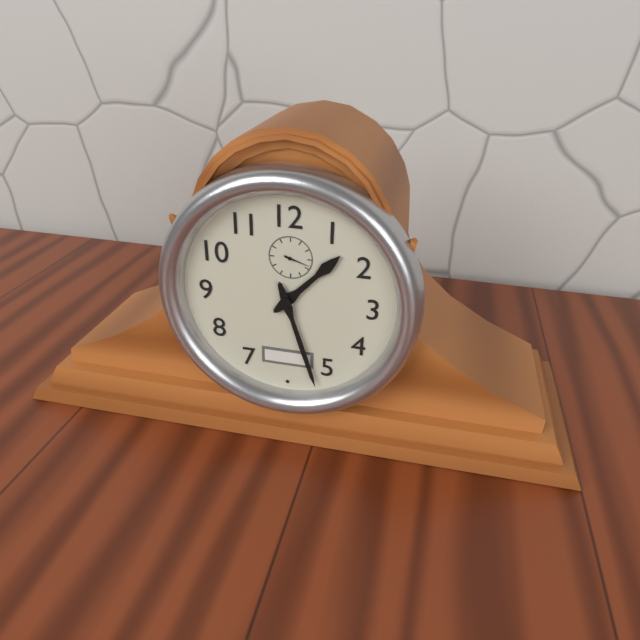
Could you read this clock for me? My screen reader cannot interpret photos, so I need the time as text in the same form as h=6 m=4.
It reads h=1 m=27
